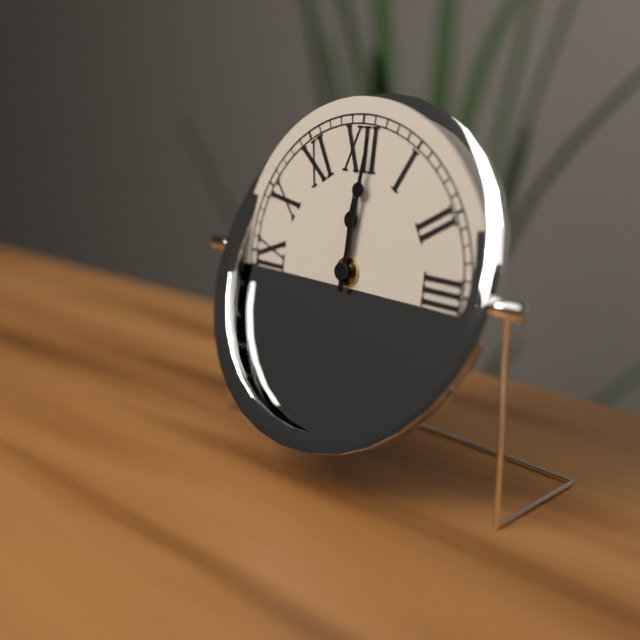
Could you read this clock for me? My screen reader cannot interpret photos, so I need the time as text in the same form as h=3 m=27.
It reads h=12 m=1
